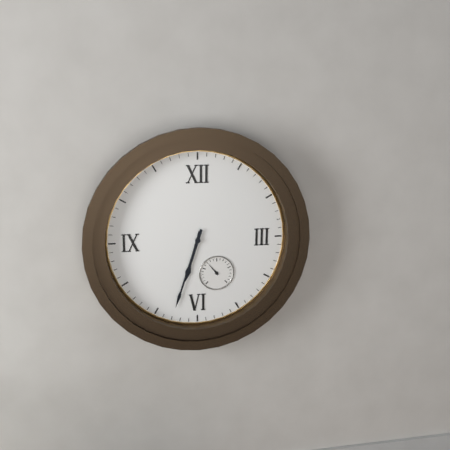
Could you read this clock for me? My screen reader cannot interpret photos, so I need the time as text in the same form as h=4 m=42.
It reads h=6 m=33
